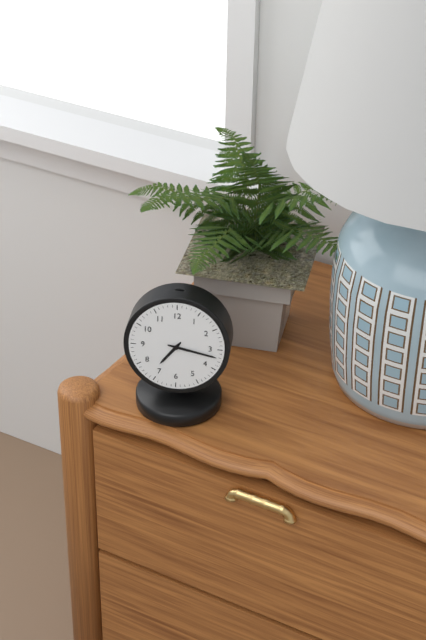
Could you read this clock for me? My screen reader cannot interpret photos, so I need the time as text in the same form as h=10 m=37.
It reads h=7 m=17
